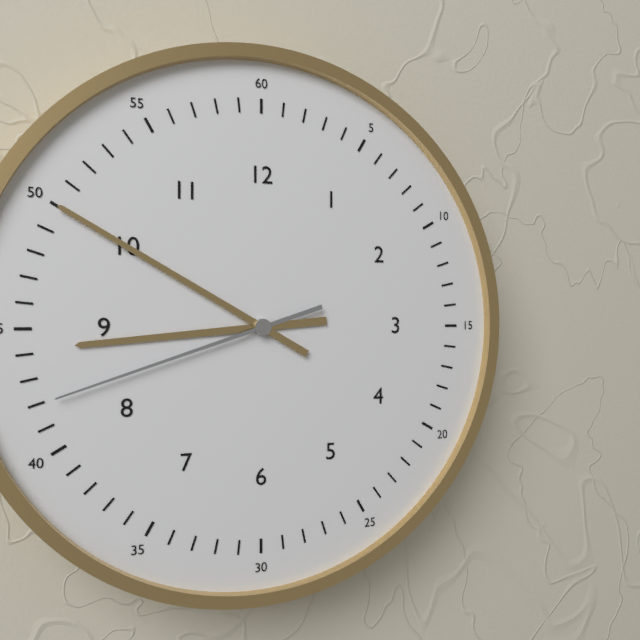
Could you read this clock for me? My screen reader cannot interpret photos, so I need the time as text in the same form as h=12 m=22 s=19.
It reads h=8 m=50 s=42
